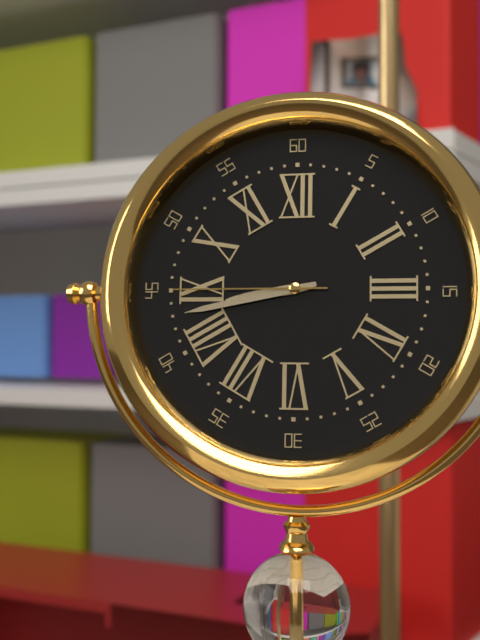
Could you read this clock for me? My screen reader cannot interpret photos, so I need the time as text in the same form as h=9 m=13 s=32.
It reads h=8 m=43 s=45
